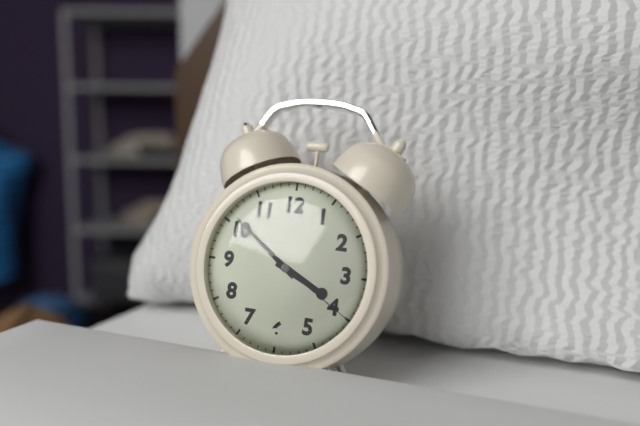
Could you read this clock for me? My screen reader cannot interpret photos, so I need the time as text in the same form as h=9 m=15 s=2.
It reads h=3 m=51 s=20
